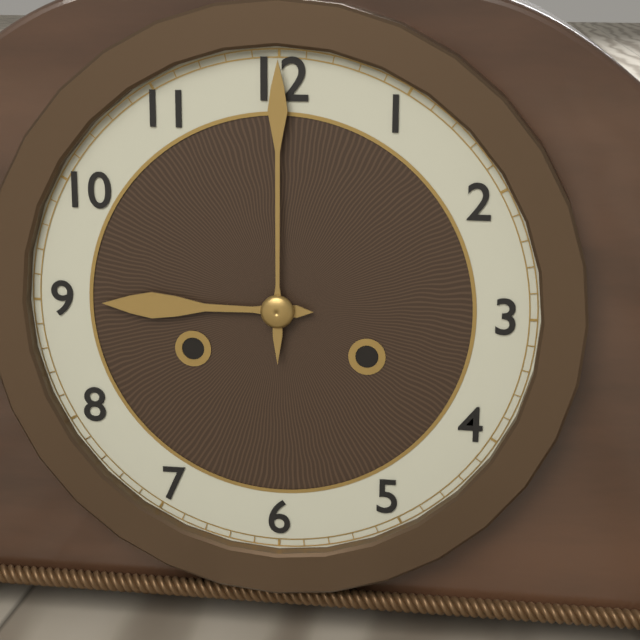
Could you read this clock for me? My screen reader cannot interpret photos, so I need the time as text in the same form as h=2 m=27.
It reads h=9 m=0
